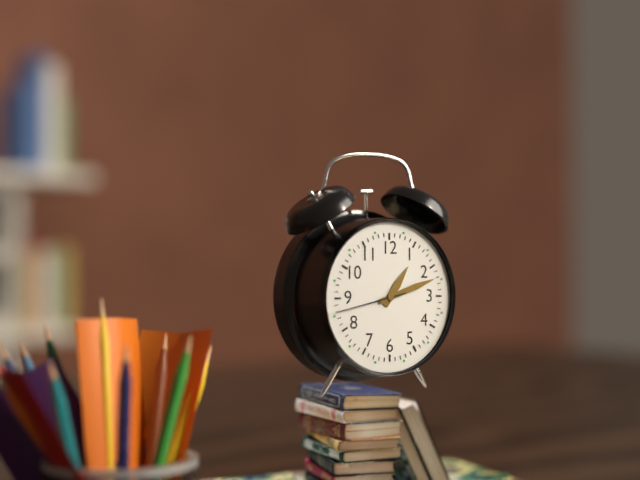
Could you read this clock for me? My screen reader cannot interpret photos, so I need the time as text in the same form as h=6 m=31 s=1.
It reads h=1 m=12 s=43
